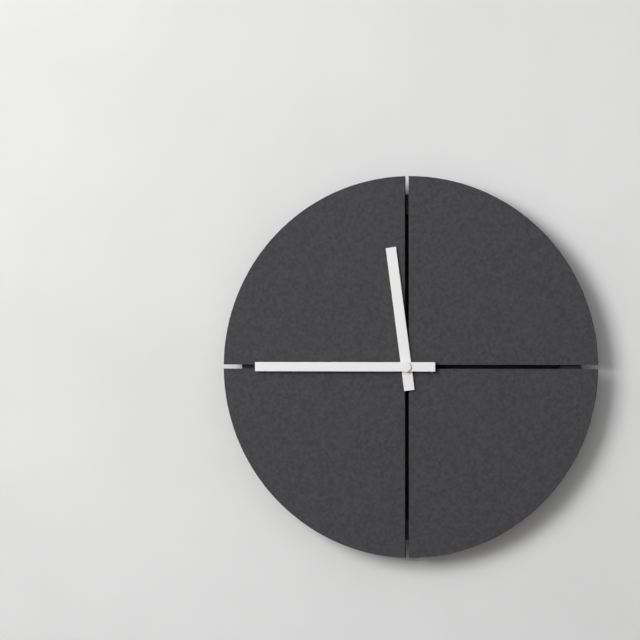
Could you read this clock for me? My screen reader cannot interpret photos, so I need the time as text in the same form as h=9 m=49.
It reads h=11 m=45
